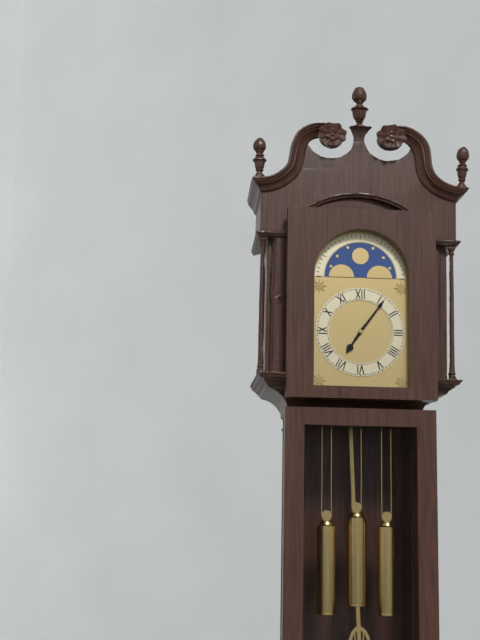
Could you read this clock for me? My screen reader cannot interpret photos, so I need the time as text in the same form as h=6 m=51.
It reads h=7 m=6
